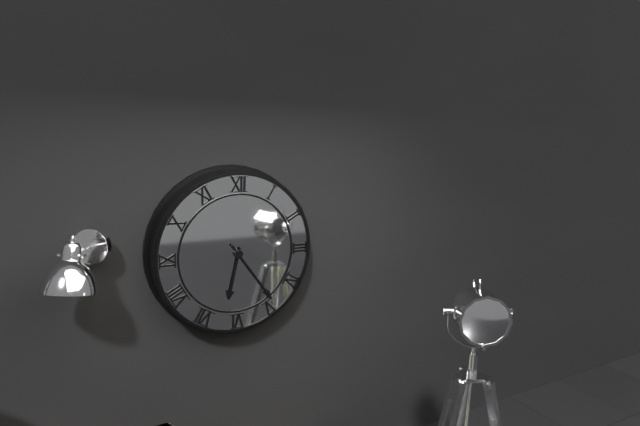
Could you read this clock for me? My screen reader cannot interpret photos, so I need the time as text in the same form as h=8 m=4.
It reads h=6 m=24
